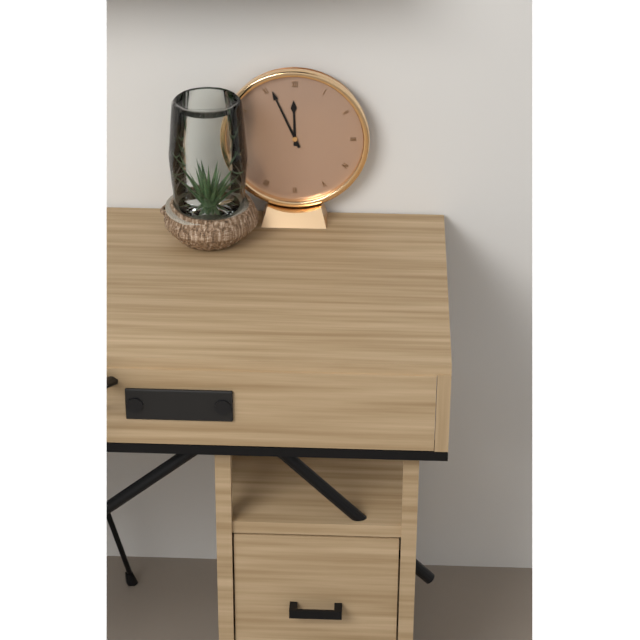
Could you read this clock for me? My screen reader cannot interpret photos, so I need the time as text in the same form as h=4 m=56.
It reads h=11 m=56
